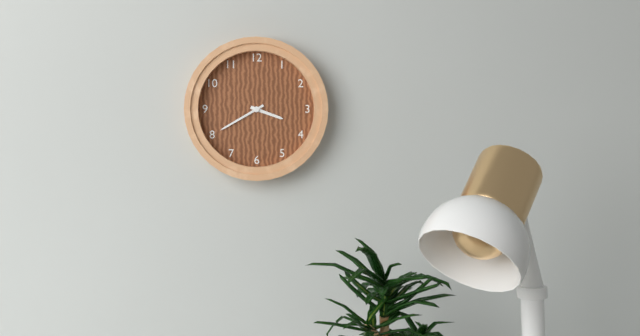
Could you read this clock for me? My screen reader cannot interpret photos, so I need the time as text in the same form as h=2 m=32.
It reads h=3 m=40
